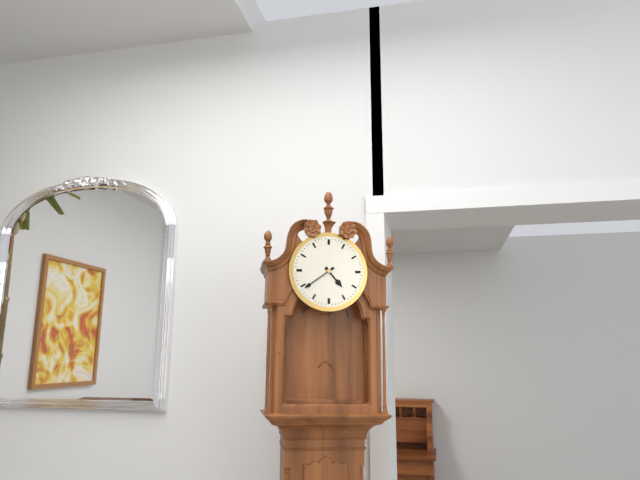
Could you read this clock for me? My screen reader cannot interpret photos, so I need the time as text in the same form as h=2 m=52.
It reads h=4 m=39
